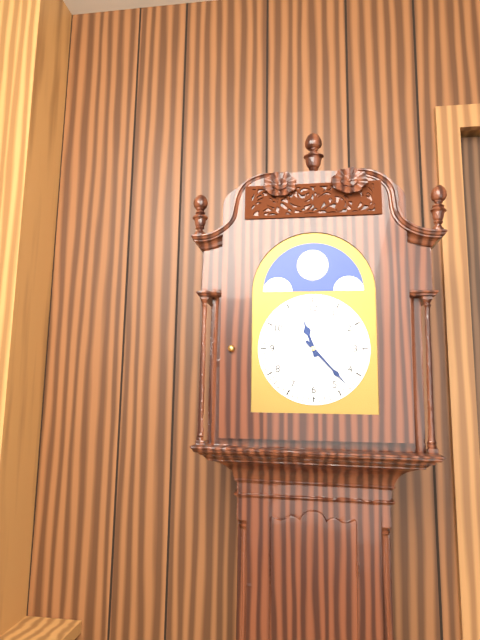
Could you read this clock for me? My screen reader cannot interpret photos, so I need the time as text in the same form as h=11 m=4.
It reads h=11 m=23
